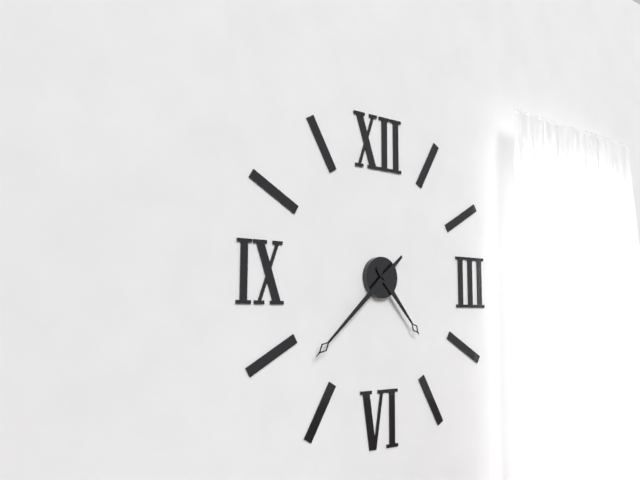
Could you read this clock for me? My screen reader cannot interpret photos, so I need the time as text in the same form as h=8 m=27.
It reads h=4 m=38
